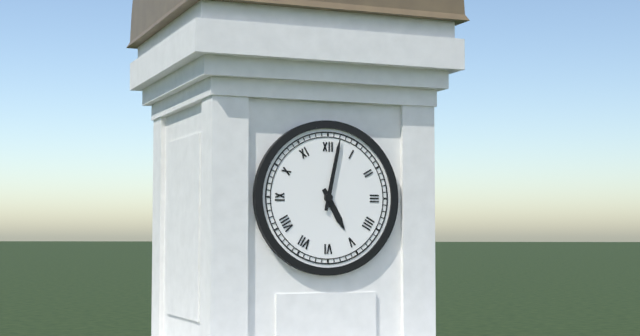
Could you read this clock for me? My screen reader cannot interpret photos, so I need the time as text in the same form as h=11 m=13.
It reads h=5 m=2
